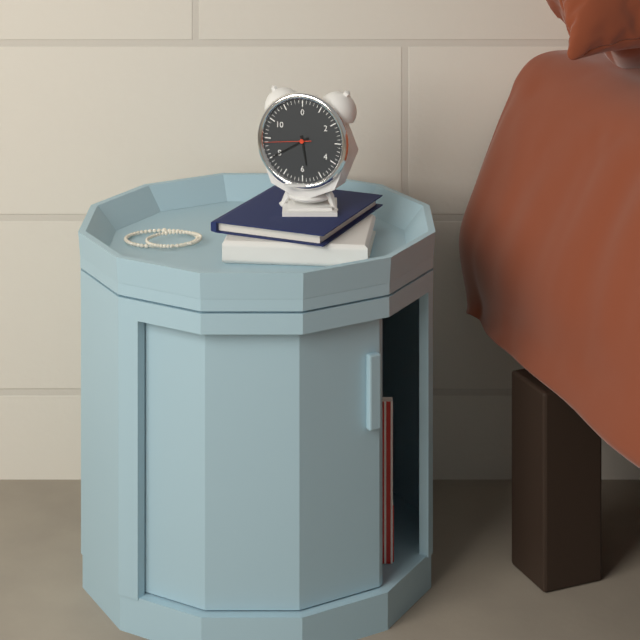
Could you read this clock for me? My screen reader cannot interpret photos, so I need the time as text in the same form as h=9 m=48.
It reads h=5 m=40
